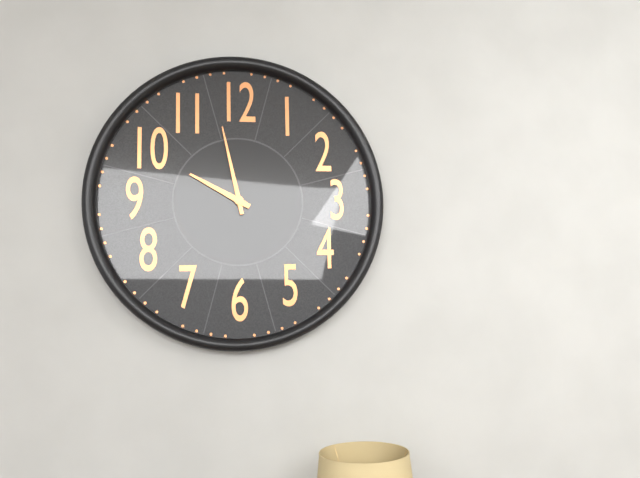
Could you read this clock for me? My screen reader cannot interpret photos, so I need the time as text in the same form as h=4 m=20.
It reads h=9 m=58
